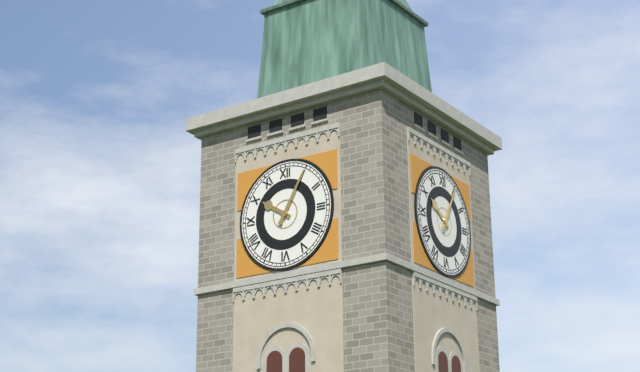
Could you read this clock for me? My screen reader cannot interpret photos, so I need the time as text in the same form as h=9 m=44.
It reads h=10 m=5
